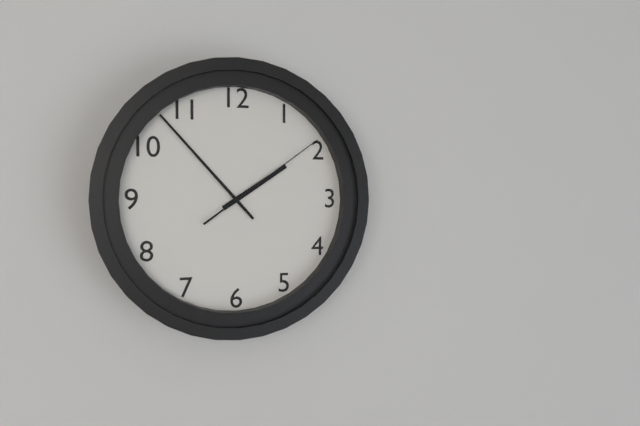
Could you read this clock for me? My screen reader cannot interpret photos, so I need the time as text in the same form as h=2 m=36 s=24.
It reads h=1 m=53 s=9
